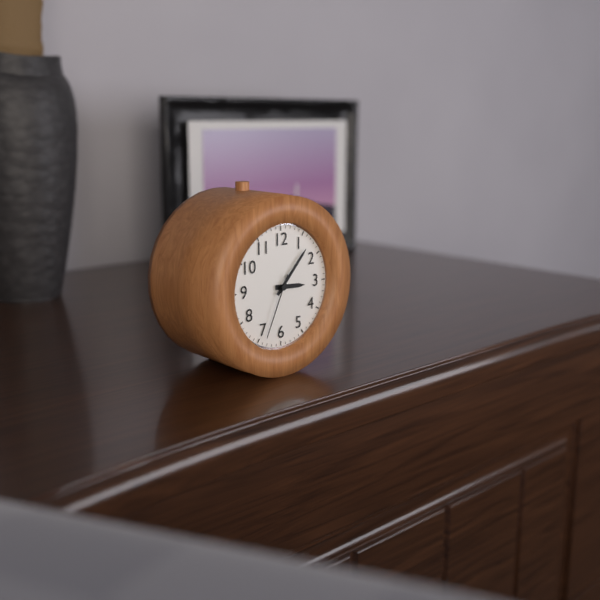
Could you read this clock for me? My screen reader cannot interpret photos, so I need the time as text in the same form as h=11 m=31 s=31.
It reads h=3 m=7 s=34
